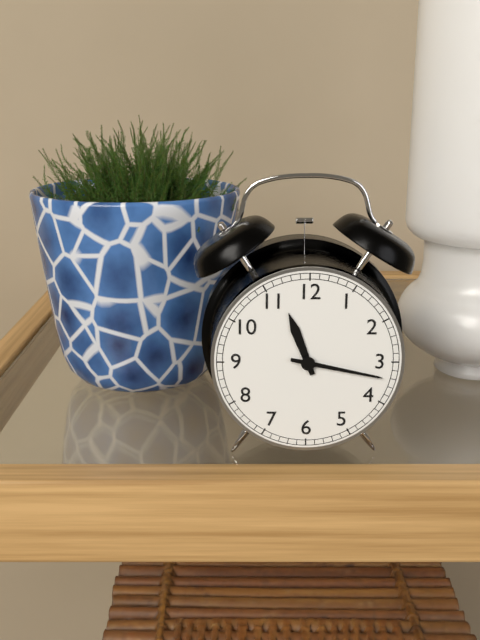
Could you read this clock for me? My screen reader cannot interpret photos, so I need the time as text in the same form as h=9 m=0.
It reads h=11 m=17
